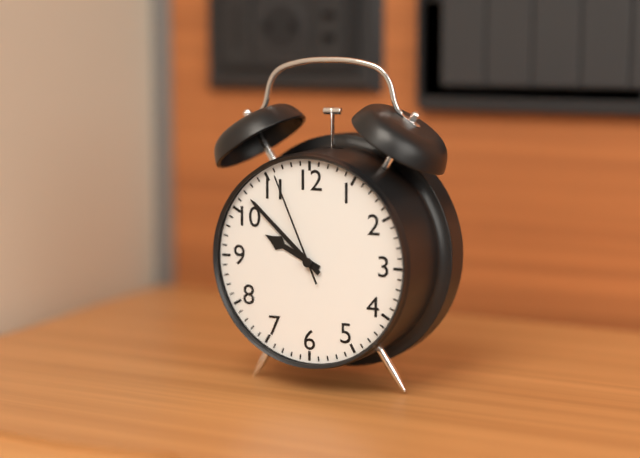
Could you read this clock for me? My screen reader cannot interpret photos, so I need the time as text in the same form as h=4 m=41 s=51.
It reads h=9 m=52 s=56
